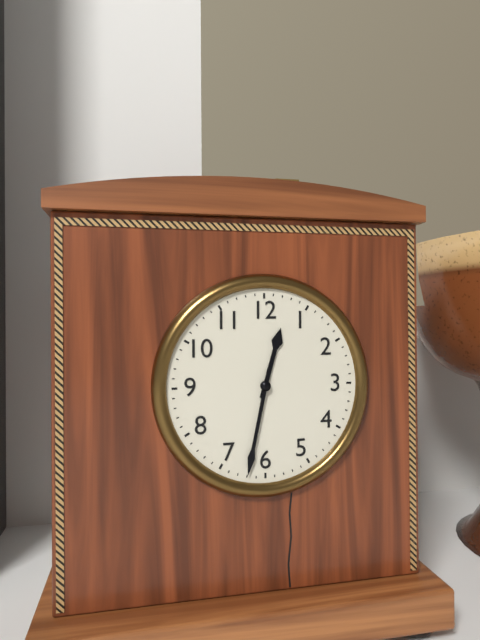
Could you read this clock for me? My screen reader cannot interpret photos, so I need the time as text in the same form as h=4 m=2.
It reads h=12 m=32
